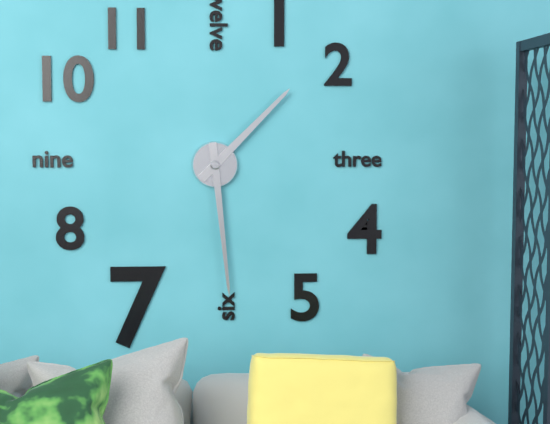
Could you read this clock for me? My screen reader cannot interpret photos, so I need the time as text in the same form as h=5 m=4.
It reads h=1 m=29
